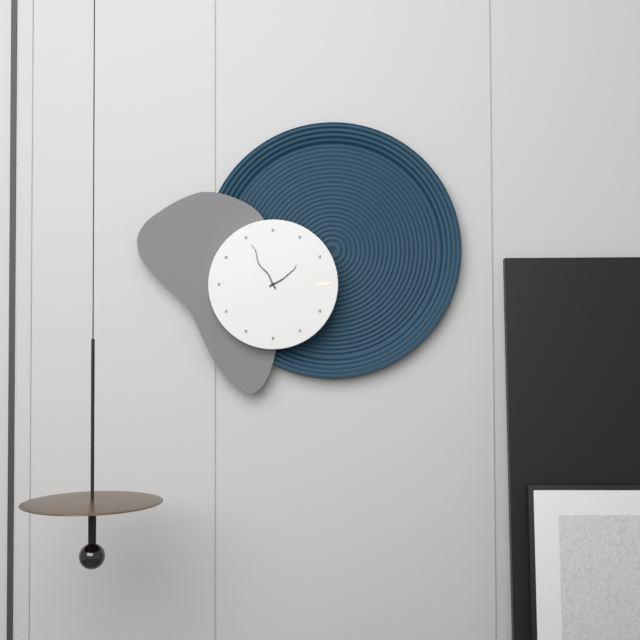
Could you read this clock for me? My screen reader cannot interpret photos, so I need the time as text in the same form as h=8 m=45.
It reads h=1 m=55
